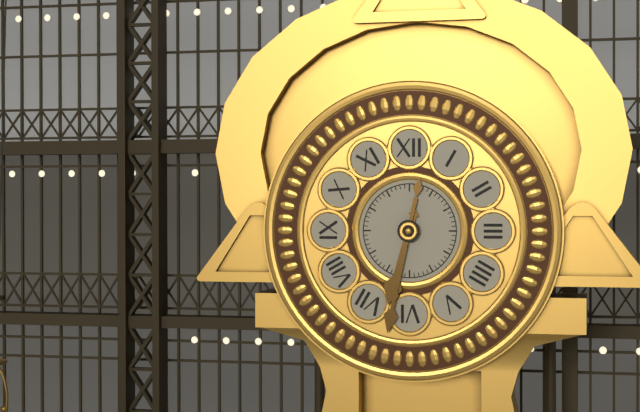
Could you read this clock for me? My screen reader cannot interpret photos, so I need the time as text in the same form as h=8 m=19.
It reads h=6 m=32
